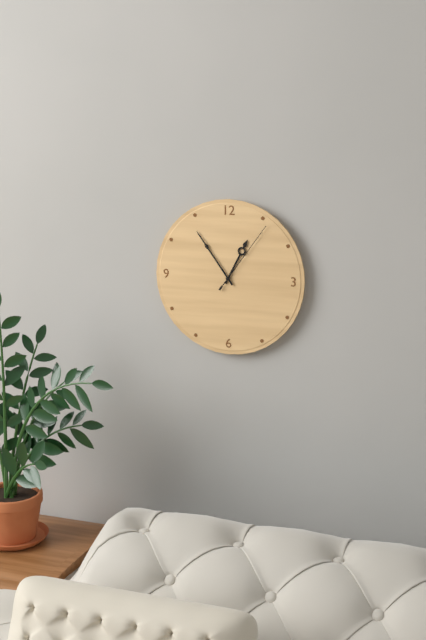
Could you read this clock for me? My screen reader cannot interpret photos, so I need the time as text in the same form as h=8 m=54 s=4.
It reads h=12 m=54 s=6
